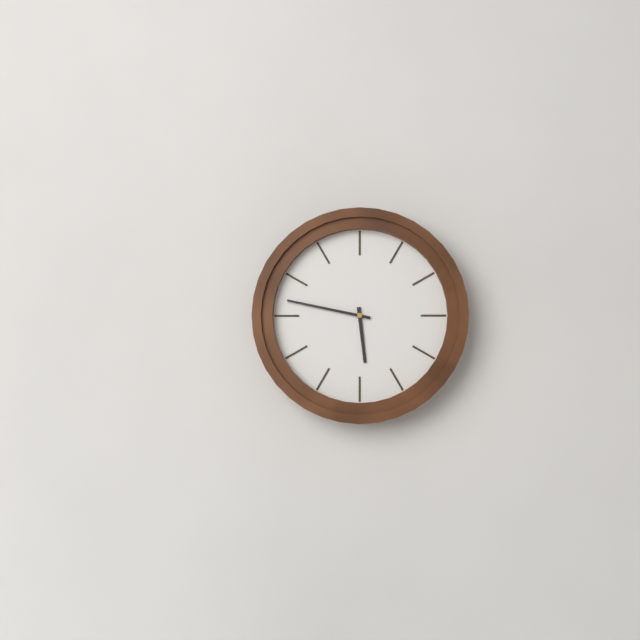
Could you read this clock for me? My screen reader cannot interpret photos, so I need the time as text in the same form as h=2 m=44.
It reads h=5 m=47
